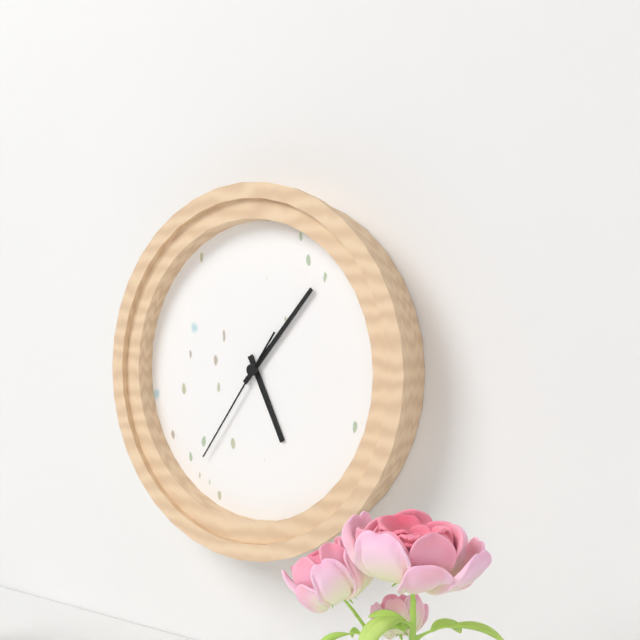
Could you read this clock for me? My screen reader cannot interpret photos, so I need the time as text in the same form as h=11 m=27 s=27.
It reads h=5 m=7 s=36
